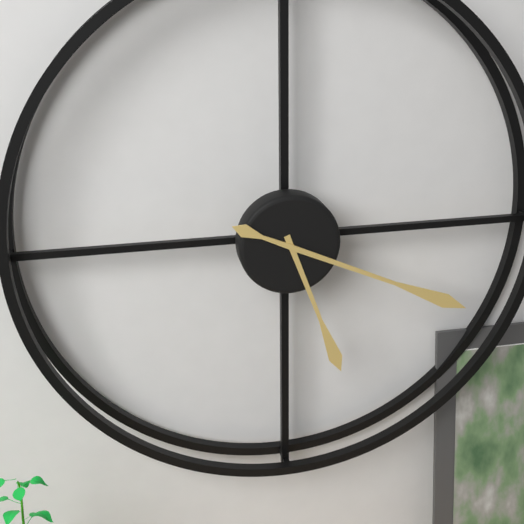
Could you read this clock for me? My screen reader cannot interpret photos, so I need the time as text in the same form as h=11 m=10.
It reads h=5 m=19
